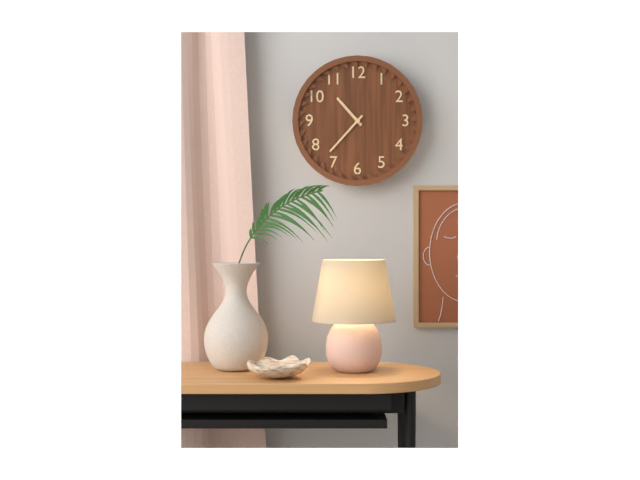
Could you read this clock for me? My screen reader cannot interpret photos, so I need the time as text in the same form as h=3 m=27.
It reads h=10 m=37
